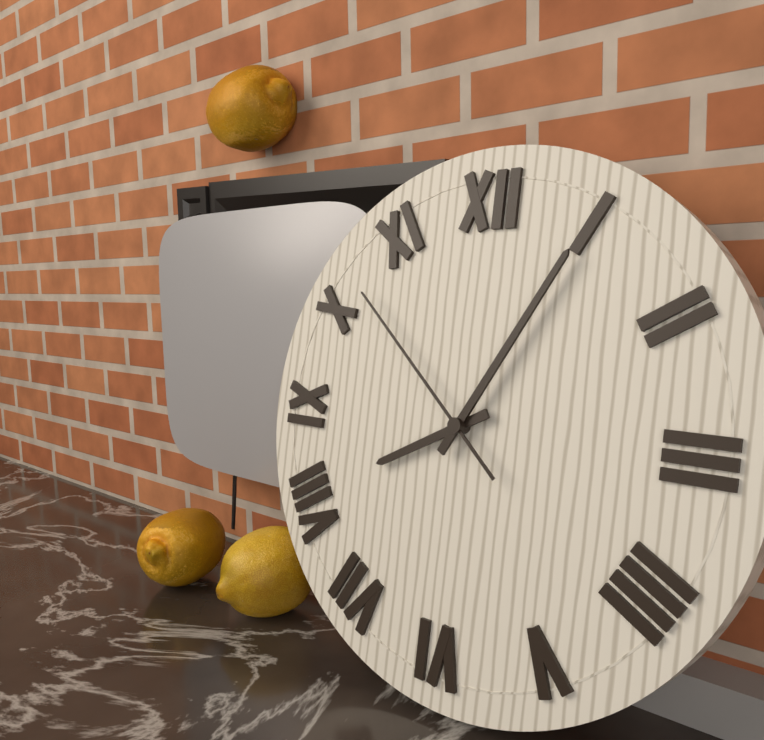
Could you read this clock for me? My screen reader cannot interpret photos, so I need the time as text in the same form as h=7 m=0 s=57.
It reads h=8 m=5 s=52
